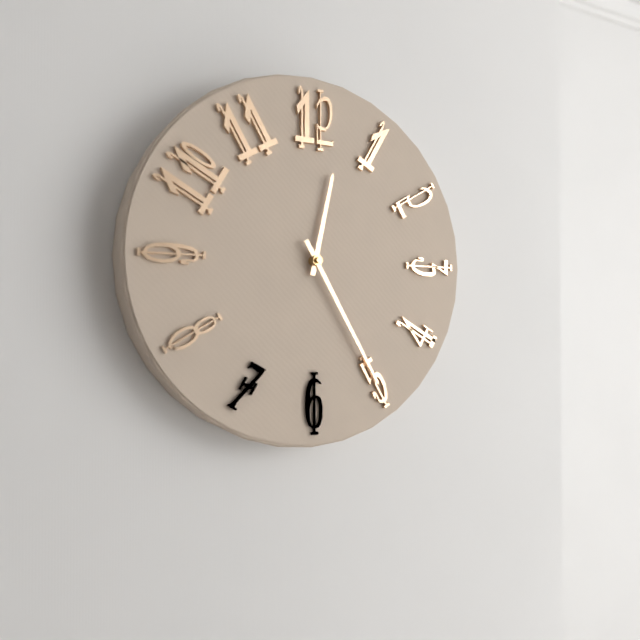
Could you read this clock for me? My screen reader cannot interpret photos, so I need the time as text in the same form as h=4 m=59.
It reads h=12 m=25
